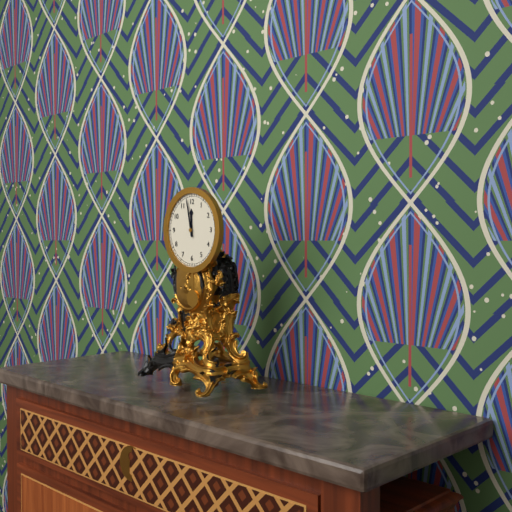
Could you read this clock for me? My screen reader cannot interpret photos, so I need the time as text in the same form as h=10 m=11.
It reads h=11 m=58
